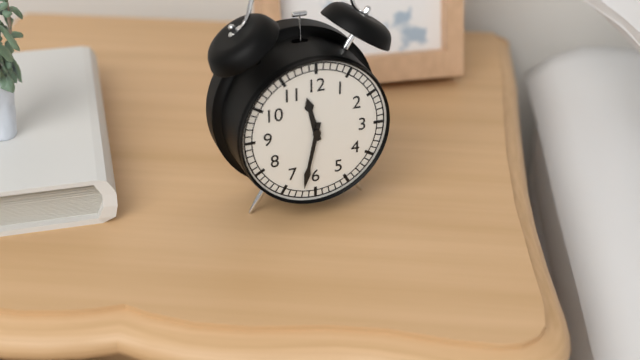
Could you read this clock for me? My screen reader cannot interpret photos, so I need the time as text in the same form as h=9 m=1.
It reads h=11 m=32
